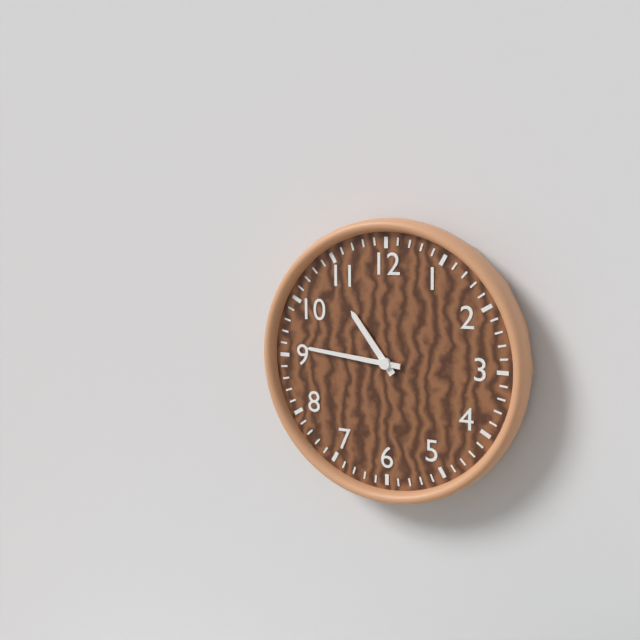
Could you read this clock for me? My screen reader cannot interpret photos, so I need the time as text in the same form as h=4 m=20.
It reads h=10 m=46
